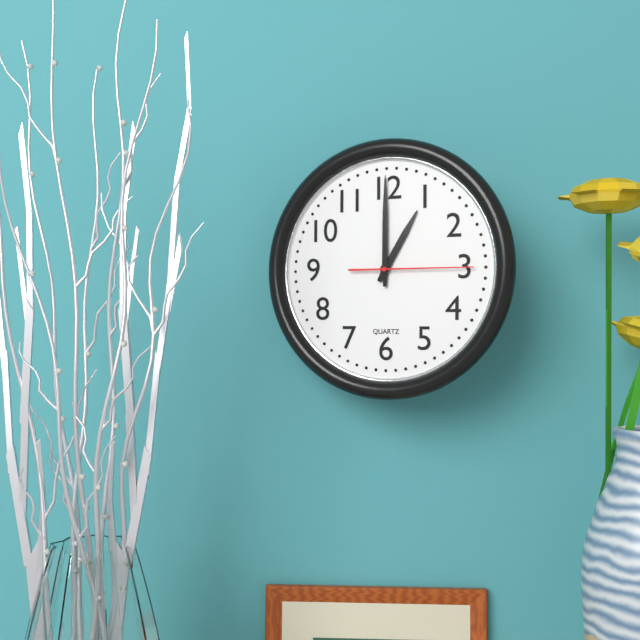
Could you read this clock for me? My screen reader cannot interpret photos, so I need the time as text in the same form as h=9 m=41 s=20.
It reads h=1 m=0 s=15
